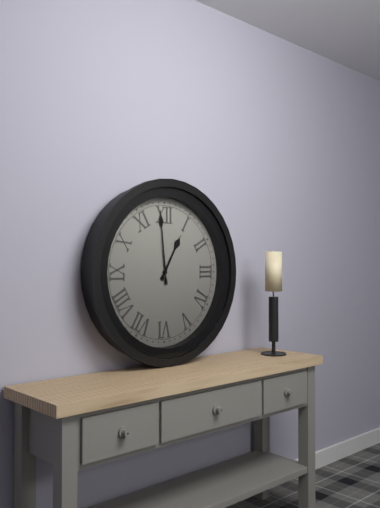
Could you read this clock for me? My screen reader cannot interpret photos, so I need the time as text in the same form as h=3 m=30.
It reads h=12 m=59
